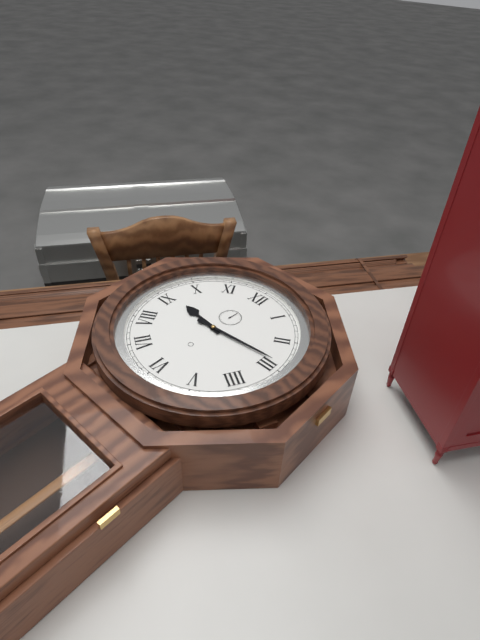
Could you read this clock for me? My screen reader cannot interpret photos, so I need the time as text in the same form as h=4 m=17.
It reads h=9 m=14
